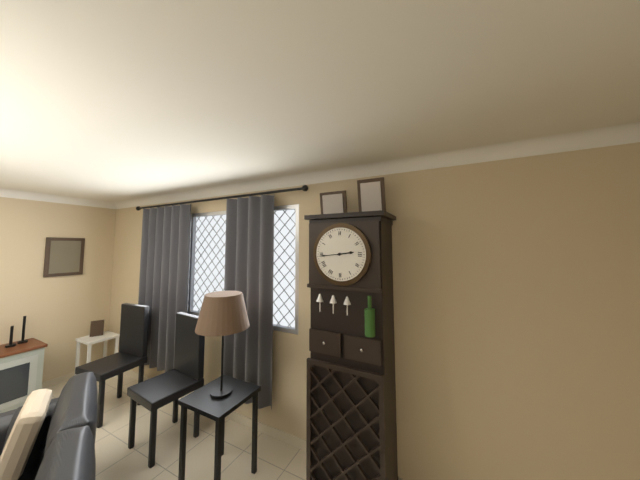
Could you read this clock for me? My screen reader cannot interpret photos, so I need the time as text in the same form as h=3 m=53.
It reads h=2 m=44
